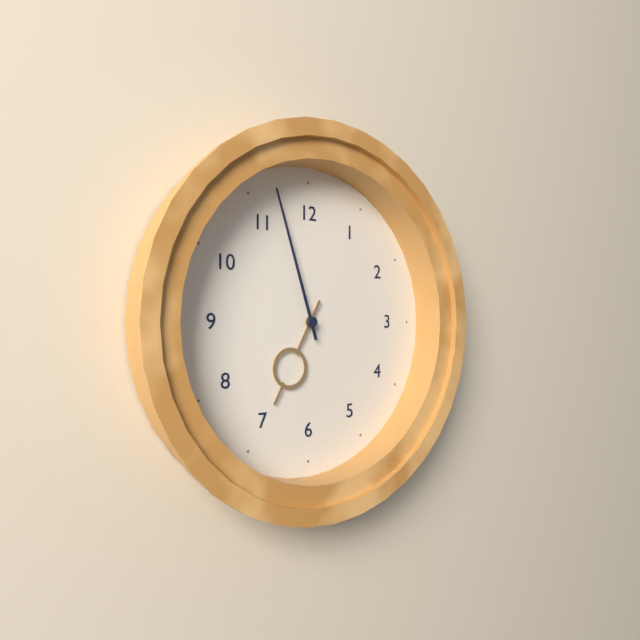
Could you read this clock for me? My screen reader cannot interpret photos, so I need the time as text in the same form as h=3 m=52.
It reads h=6 m=57
